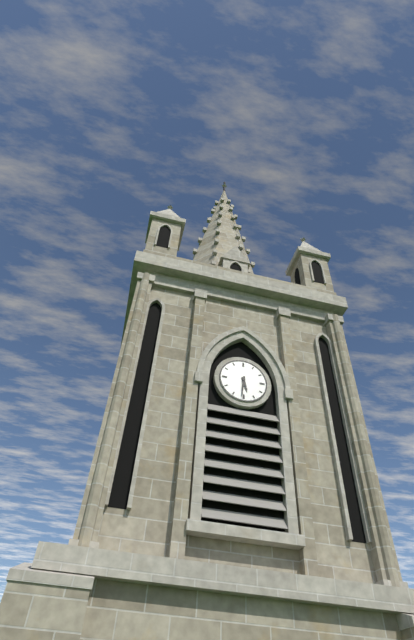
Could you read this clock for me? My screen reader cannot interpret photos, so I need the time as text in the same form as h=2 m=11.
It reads h=5 m=31
